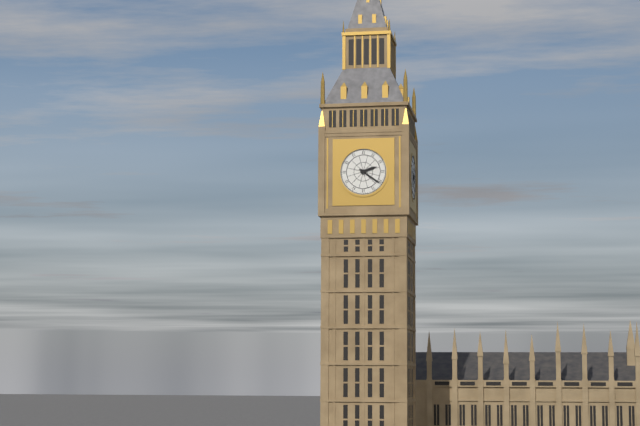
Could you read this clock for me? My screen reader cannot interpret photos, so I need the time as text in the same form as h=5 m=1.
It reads h=2 m=21
